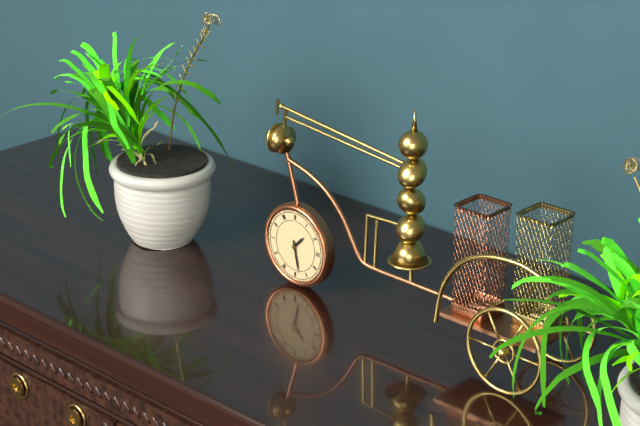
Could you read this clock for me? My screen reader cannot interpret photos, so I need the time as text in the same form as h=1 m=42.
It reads h=1 m=28
